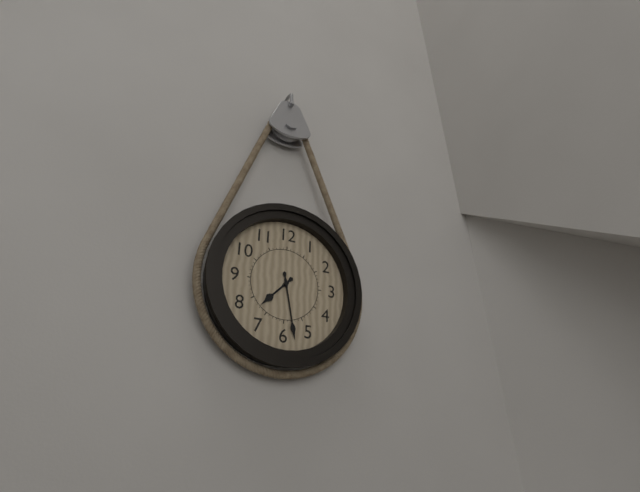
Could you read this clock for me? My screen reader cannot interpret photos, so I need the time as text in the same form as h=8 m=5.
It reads h=7 m=28
